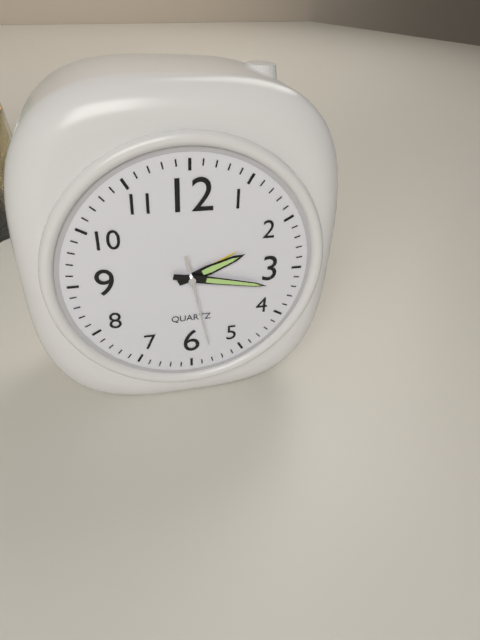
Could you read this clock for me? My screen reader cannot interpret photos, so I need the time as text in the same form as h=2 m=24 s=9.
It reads h=2 m=17 s=28
